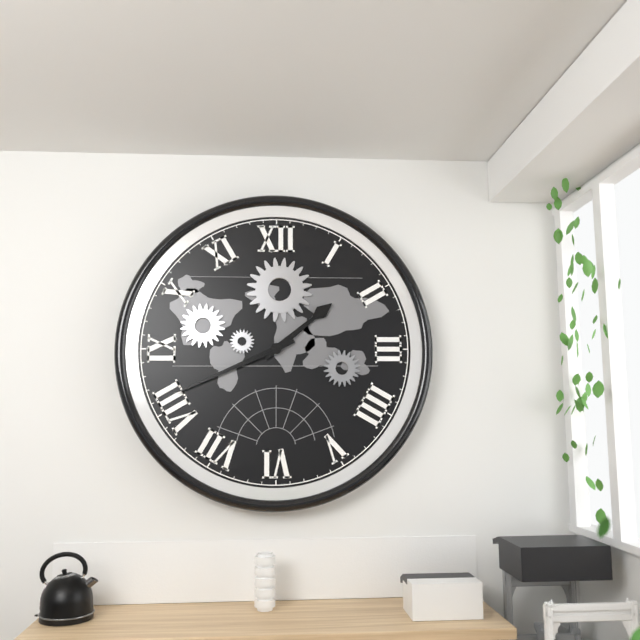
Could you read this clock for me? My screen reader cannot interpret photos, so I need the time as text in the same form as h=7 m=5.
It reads h=1 m=41
